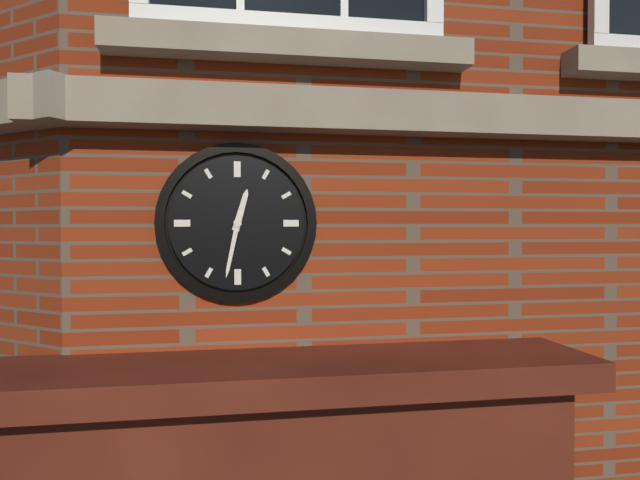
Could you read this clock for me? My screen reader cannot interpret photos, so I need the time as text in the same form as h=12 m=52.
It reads h=12 m=32
